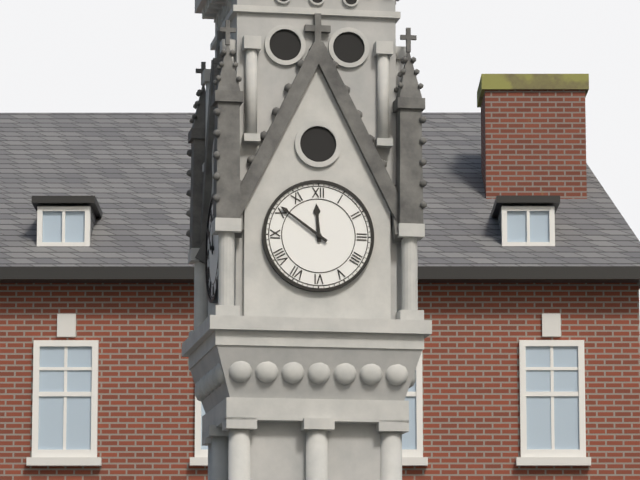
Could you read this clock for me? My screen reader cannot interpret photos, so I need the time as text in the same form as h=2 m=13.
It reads h=11 m=51
